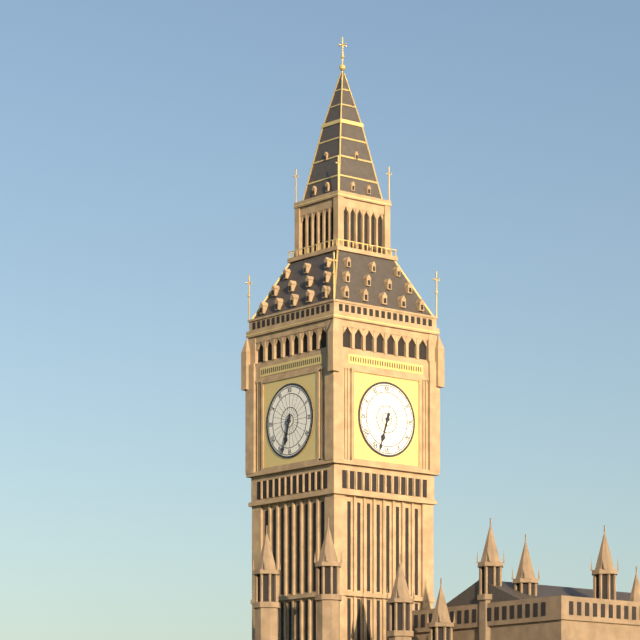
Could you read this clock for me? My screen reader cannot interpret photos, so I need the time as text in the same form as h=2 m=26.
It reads h=6 m=33
